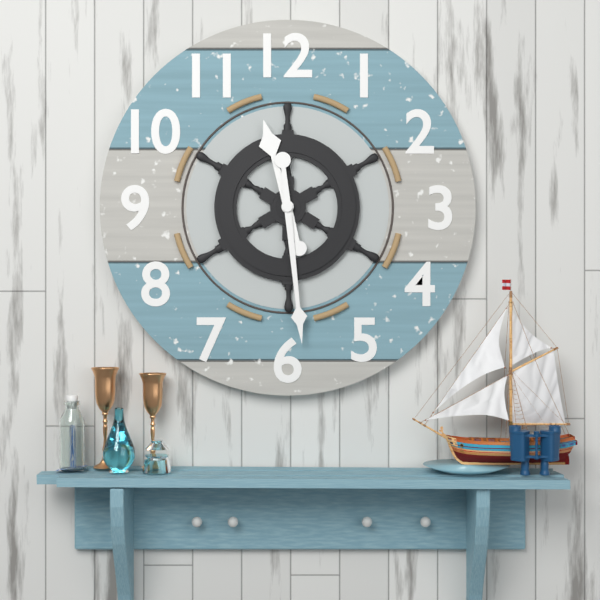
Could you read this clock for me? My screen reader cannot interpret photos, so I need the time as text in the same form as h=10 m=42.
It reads h=11 m=29
